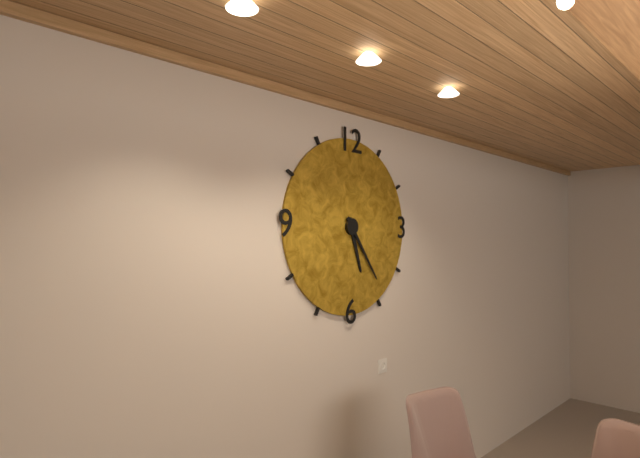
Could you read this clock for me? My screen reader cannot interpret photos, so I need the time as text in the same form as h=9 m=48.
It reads h=5 m=24
